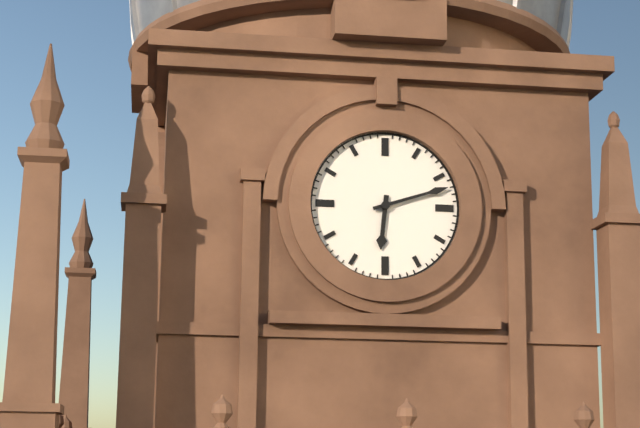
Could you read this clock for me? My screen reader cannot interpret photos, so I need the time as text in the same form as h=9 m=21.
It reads h=6 m=12
